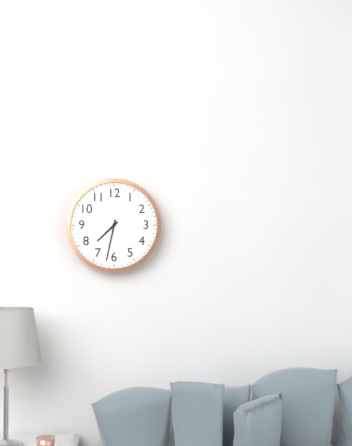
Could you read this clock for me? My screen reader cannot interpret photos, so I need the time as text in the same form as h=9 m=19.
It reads h=7 m=32
